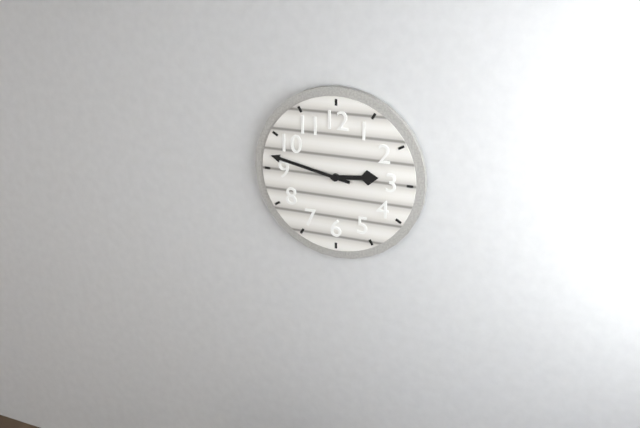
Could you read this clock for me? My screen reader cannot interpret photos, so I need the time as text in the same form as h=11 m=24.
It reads h=2 m=47
